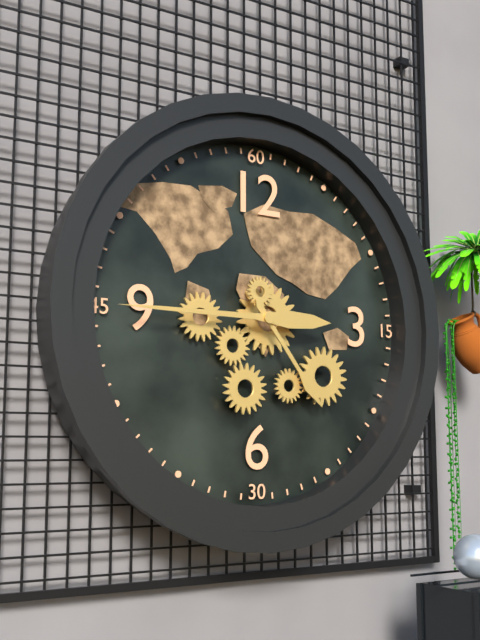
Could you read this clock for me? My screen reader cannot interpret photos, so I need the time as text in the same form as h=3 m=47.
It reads h=4 m=45
